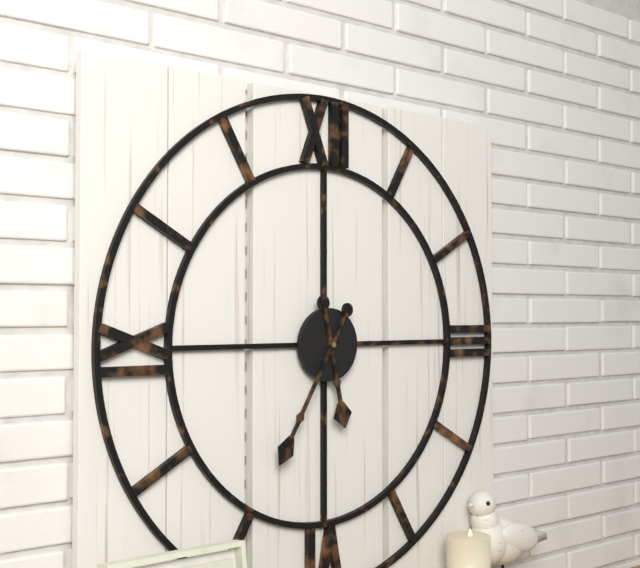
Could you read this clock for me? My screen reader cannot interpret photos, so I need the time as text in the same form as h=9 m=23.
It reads h=5 m=35
